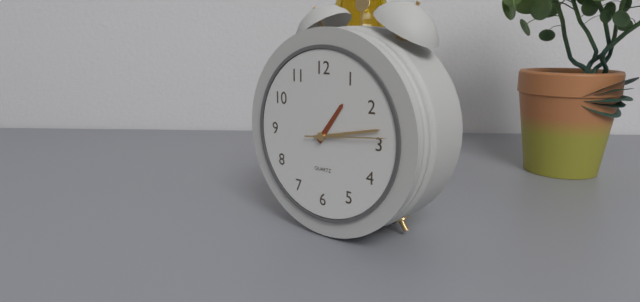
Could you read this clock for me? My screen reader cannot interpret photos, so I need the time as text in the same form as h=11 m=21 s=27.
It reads h=1 m=13 s=14
